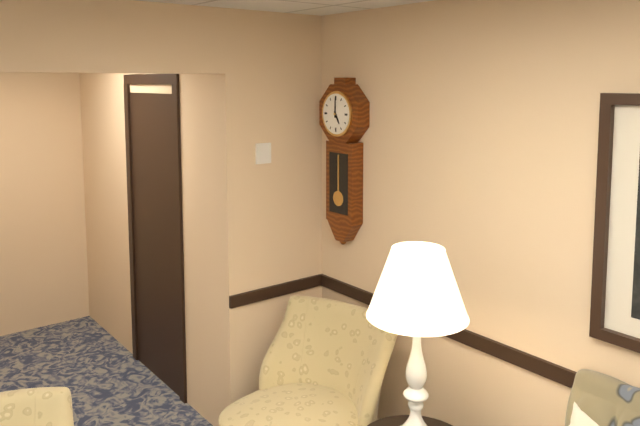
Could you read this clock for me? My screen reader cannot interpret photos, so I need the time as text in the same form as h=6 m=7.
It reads h=5 m=0
